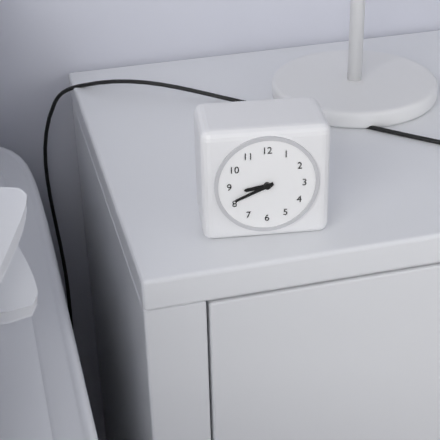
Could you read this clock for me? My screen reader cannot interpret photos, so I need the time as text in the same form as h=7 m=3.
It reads h=8 m=41
